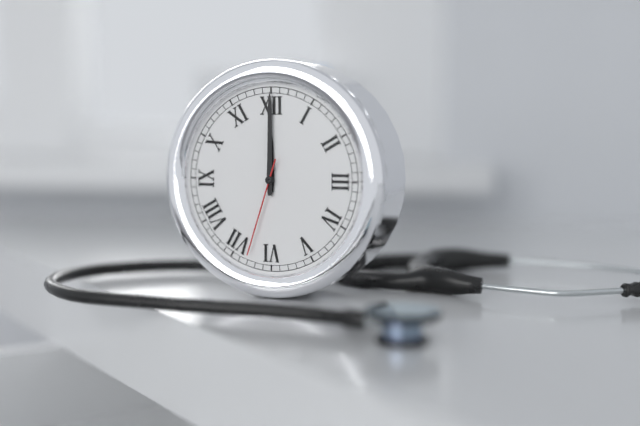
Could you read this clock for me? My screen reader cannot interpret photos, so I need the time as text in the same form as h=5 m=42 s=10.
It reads h=12 m=0 s=33
